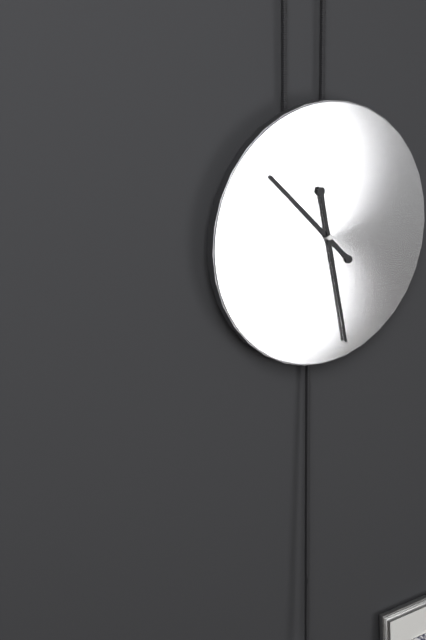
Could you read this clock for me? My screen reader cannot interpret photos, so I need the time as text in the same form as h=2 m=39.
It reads h=10 m=28
